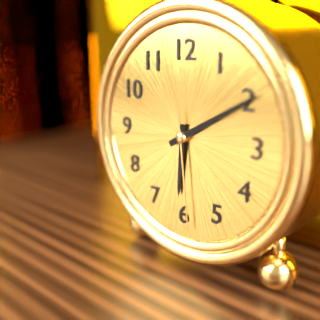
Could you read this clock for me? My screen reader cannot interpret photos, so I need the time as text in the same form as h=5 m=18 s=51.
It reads h=6 m=10 s=29
